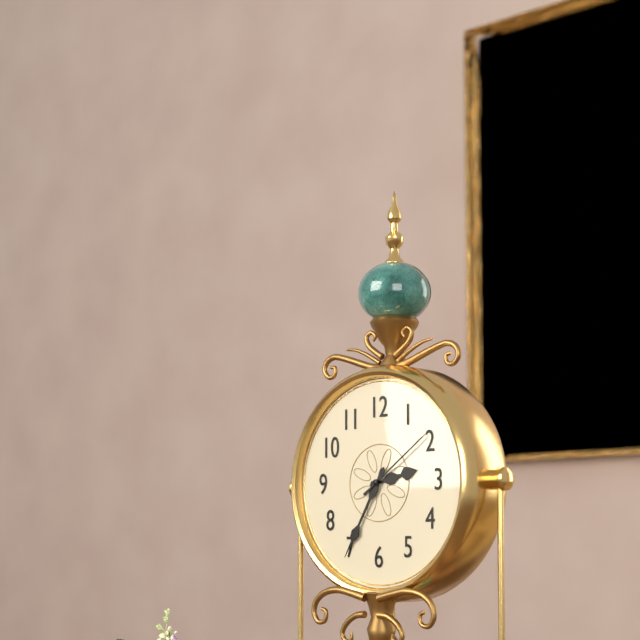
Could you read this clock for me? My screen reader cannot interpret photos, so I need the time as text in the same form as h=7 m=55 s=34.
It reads h=2 m=35 s=9
